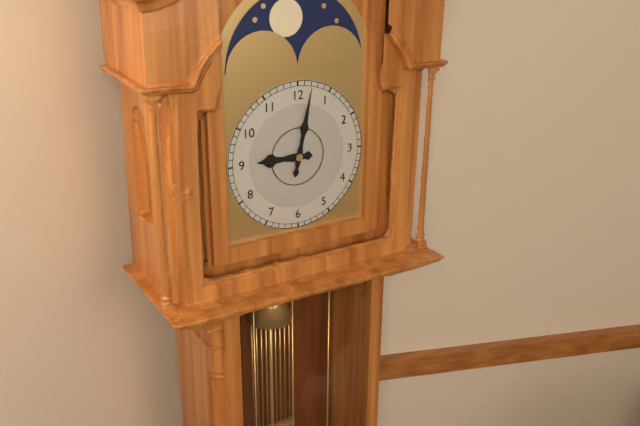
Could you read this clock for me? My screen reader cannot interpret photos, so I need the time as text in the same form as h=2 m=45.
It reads h=9 m=2
